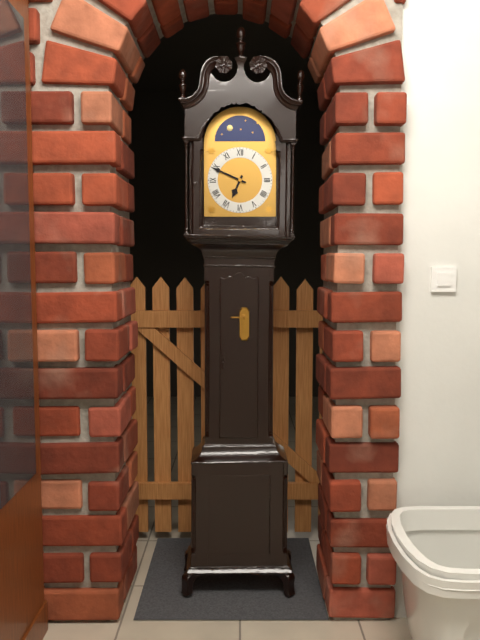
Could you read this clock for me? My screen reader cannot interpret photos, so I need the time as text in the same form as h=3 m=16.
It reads h=6 m=49
